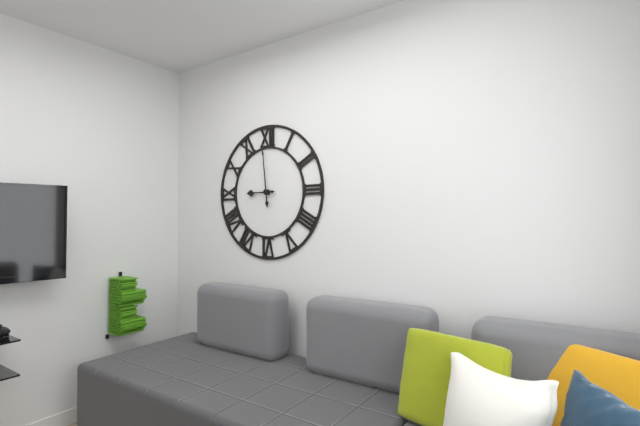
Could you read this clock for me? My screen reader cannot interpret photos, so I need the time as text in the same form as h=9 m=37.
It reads h=8 m=59
